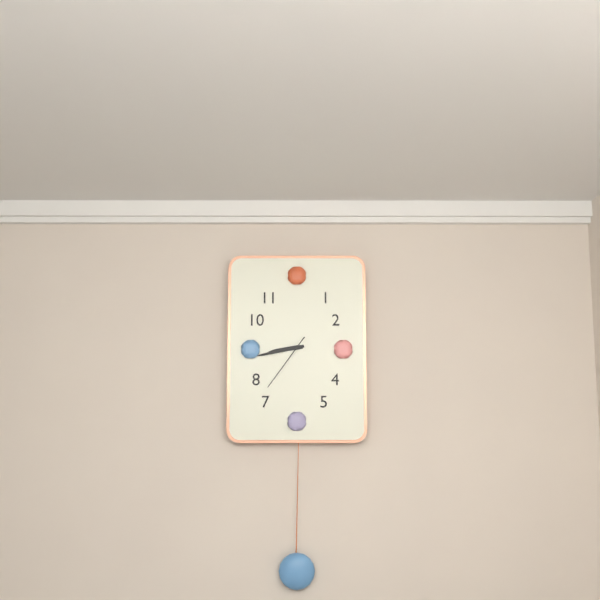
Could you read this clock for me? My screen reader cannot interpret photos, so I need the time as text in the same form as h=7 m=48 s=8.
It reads h=8 m=43 s=36
